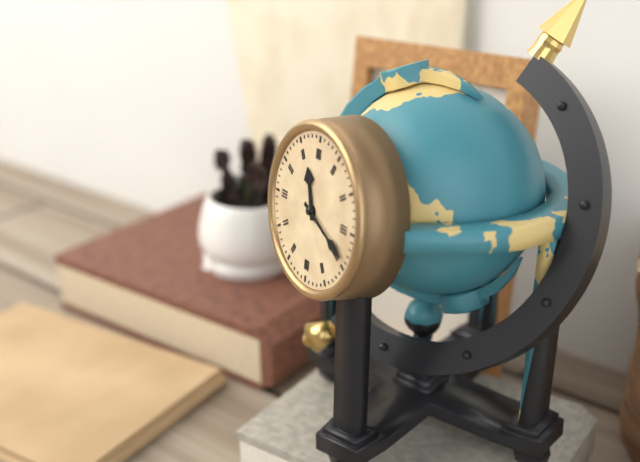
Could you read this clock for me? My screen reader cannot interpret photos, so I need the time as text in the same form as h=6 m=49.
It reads h=11 m=19
